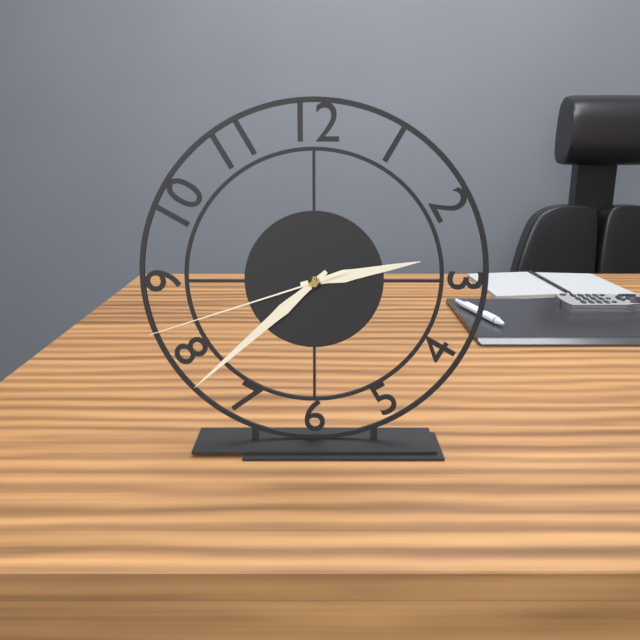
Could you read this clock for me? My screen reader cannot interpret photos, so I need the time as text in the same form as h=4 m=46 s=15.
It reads h=2 m=38 s=42
